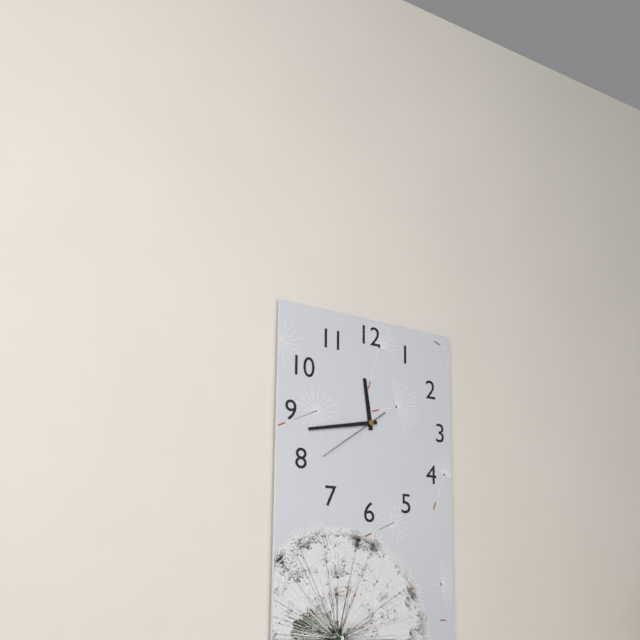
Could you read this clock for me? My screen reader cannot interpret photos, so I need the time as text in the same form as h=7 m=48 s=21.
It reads h=11 m=43 s=39
